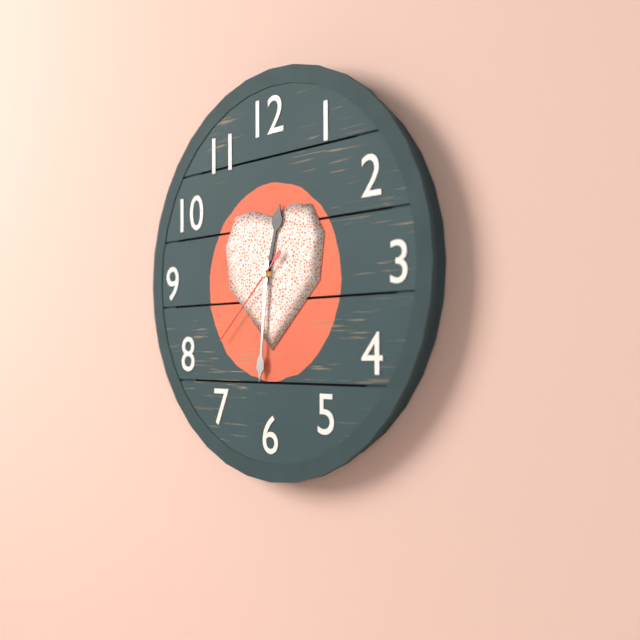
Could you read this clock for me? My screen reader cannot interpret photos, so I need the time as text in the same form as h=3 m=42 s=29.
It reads h=12 m=31 s=38
